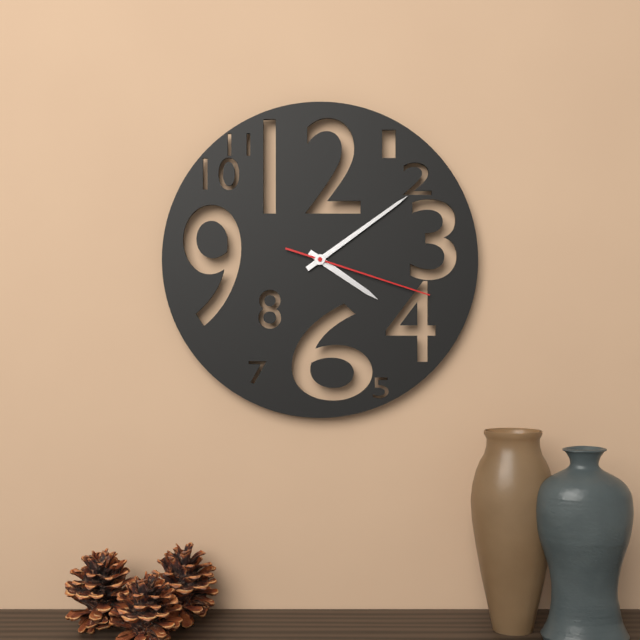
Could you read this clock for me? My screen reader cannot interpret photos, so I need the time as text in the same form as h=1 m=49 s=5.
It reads h=4 m=9 s=18
